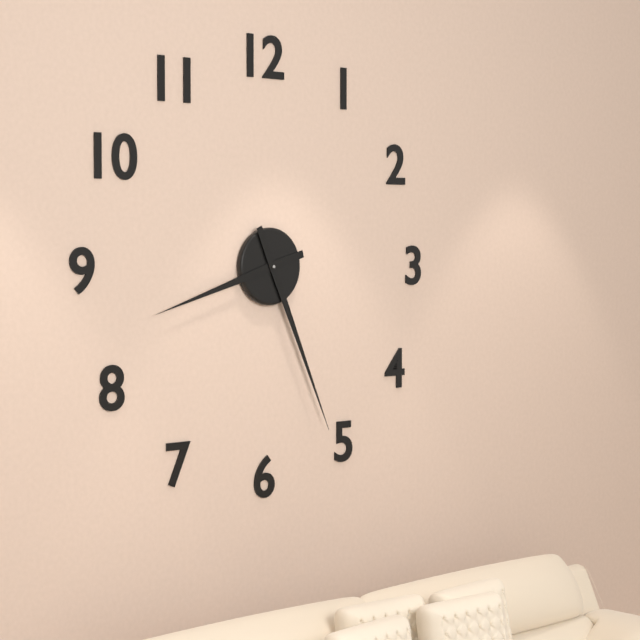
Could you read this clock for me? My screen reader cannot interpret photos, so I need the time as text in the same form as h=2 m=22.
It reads h=8 m=26
